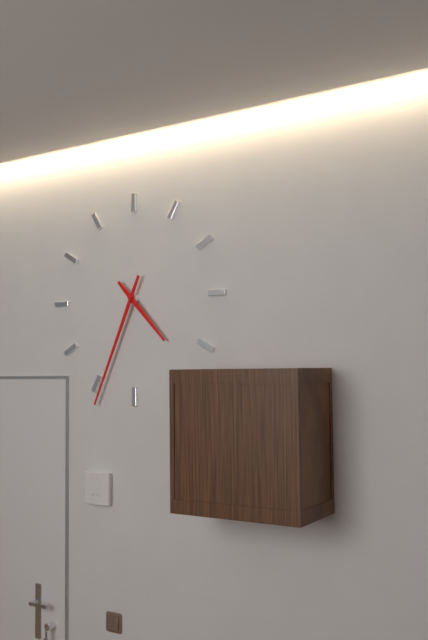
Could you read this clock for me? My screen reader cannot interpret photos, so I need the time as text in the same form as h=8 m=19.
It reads h=4 m=34
